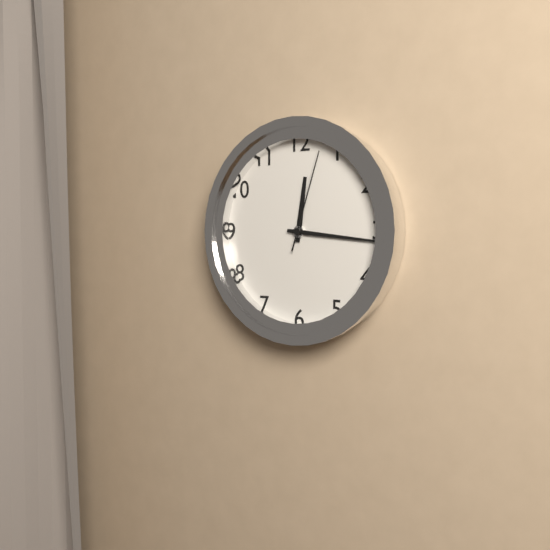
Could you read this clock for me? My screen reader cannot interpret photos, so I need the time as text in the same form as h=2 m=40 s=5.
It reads h=12 m=16 s=3
